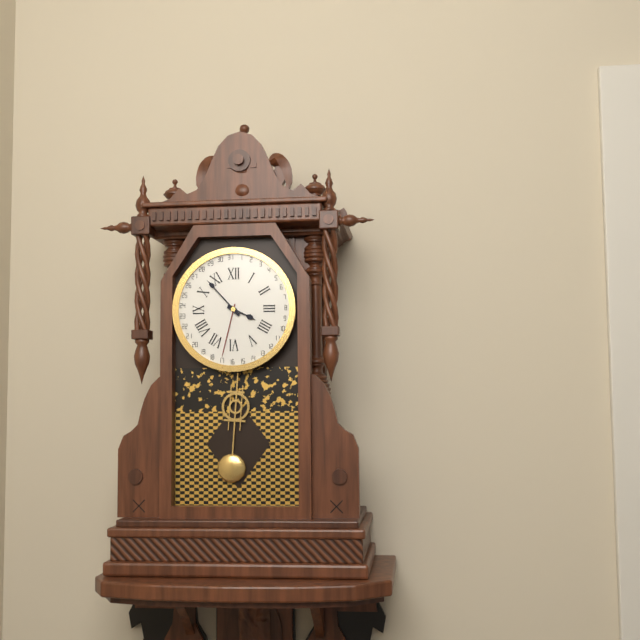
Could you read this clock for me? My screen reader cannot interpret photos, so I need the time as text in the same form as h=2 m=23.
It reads h=3 m=53
